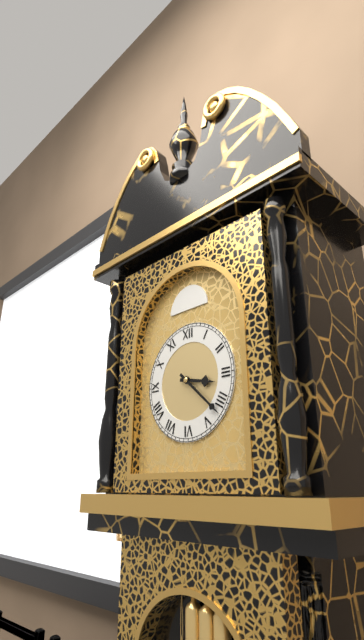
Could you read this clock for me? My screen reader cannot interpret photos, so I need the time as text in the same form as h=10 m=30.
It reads h=3 m=22
